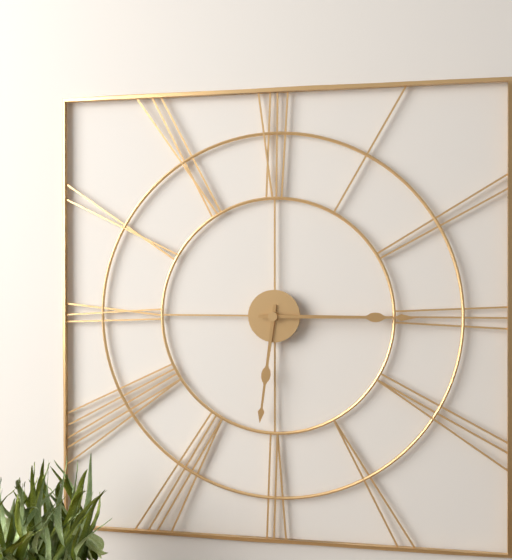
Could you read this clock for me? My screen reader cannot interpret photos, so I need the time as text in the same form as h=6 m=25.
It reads h=6 m=15
